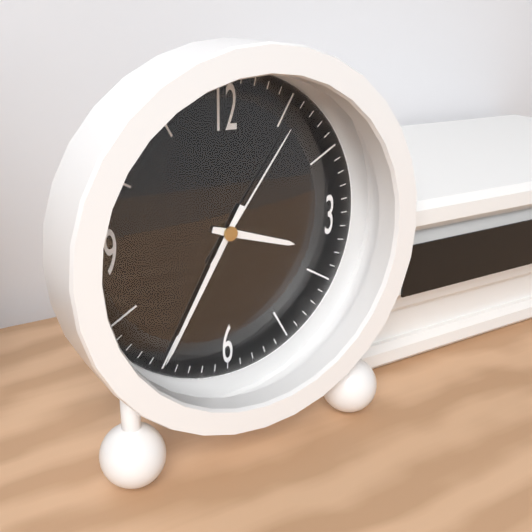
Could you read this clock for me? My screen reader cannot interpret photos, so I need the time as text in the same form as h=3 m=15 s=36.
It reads h=3 m=35 s=6
